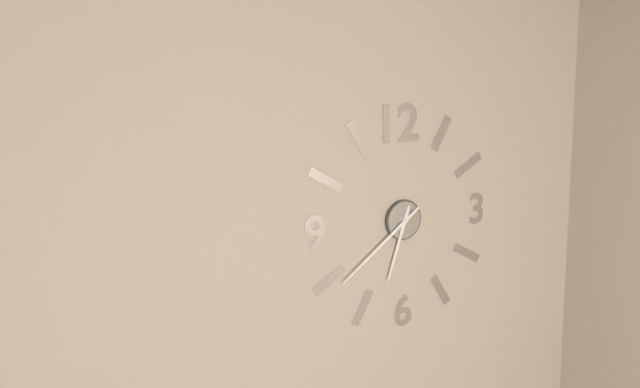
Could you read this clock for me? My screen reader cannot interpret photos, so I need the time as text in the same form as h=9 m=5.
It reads h=6 m=39
